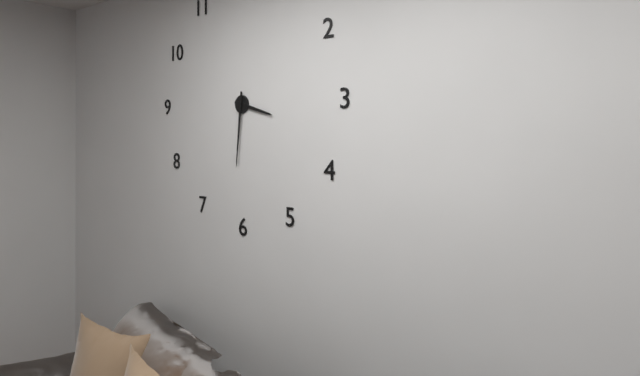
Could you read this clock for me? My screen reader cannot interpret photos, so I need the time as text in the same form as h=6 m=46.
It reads h=3 m=31
